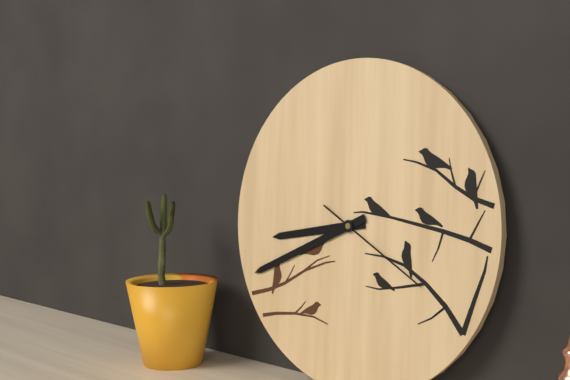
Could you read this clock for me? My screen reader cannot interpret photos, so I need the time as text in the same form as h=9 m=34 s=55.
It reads h=8 m=41 s=20
